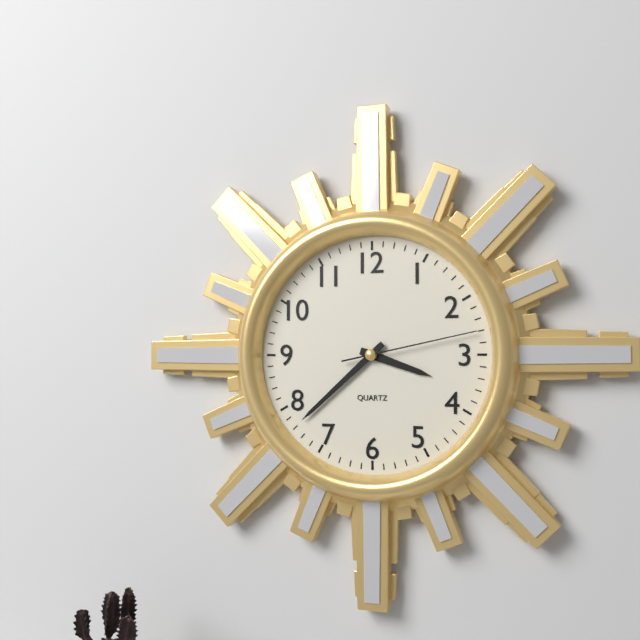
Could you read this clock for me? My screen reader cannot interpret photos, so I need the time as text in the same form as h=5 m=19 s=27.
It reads h=3 m=38 s=13
